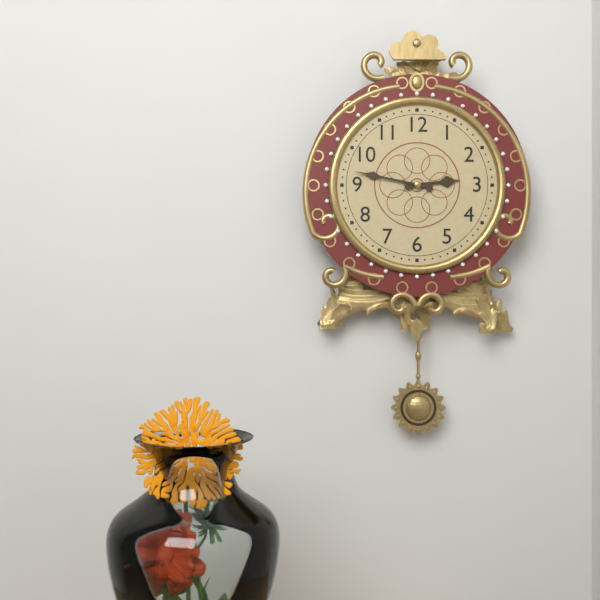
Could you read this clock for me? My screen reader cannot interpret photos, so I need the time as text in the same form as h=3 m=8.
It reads h=2 m=47
